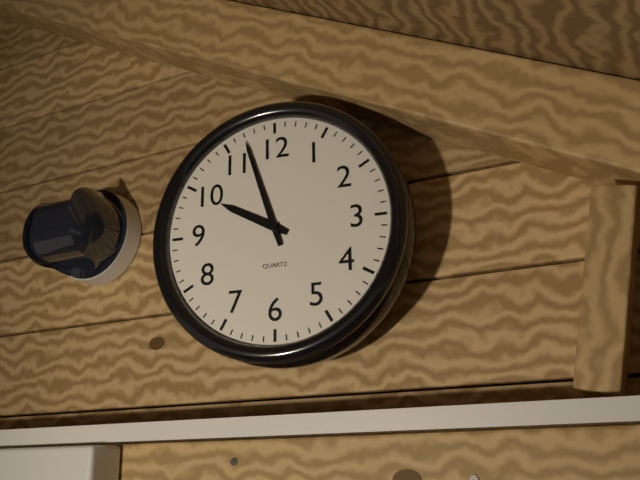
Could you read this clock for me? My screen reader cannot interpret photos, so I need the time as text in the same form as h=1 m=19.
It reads h=9 m=57
